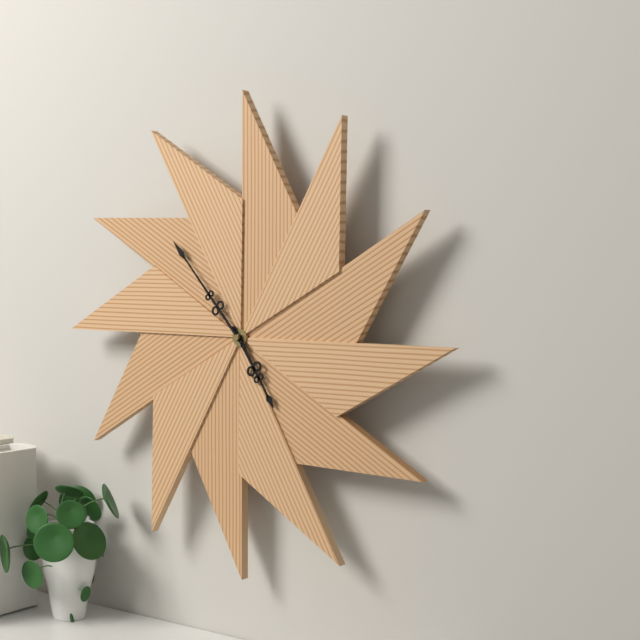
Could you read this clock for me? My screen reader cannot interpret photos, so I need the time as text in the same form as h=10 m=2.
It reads h=4 m=53
